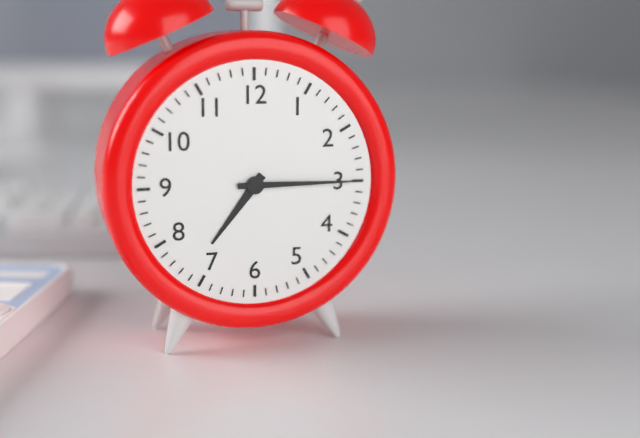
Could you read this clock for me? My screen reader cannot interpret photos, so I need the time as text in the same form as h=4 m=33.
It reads h=7 m=15
